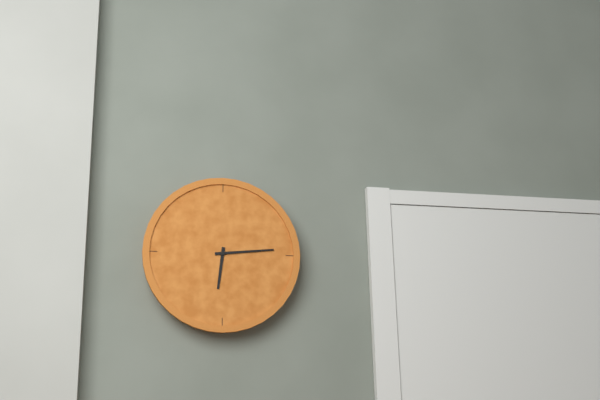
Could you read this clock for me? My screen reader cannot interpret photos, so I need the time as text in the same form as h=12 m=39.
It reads h=6 m=14
